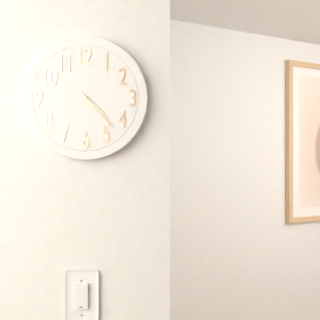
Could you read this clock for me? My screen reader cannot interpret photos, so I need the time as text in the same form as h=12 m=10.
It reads h=4 m=23
